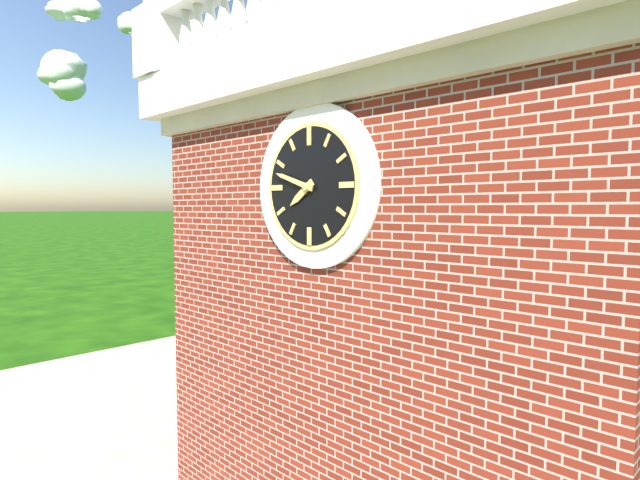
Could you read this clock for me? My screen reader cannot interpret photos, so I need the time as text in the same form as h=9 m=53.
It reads h=7 m=48
